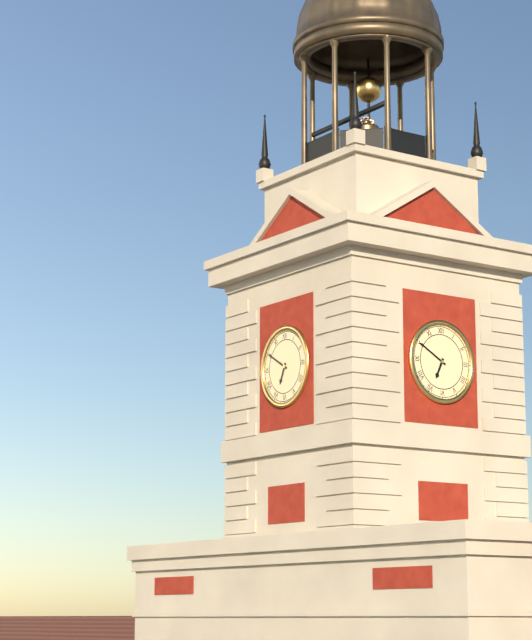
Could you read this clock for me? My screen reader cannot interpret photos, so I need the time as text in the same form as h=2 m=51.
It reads h=6 m=50
